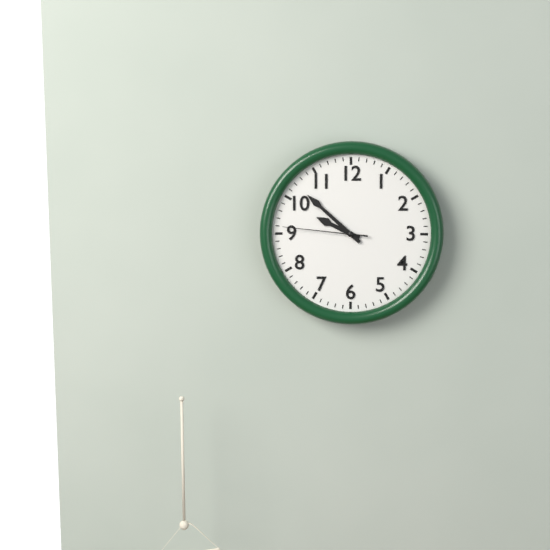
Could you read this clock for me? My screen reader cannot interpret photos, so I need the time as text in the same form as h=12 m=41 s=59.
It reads h=9 m=52 s=46
